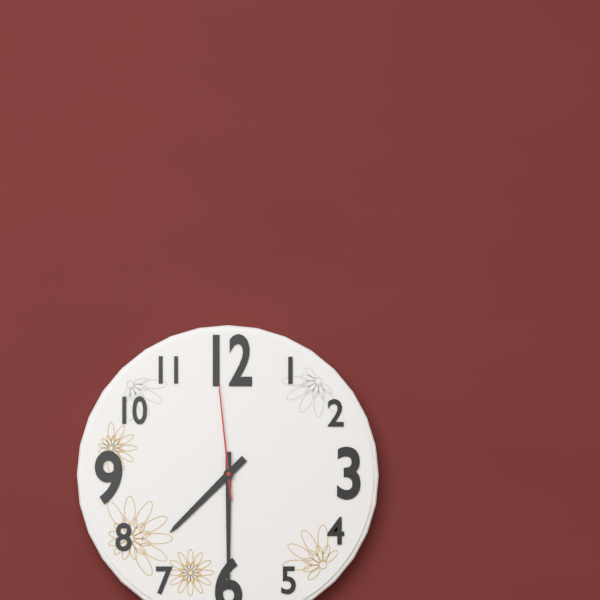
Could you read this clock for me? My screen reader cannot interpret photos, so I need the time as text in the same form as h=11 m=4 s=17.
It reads h=7 m=30 s=59
